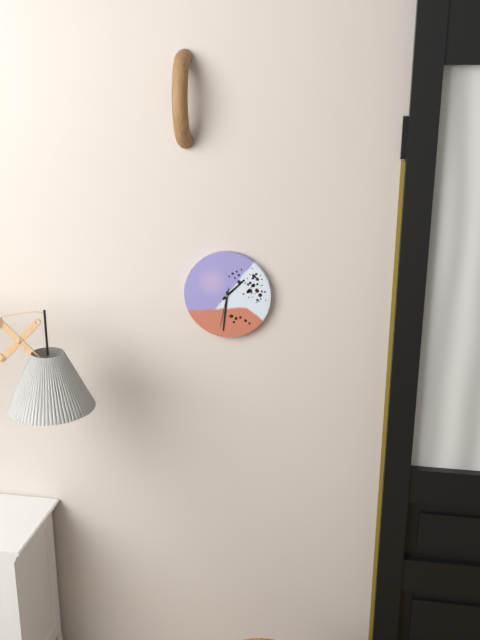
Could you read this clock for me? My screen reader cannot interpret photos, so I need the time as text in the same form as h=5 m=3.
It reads h=1 m=31
